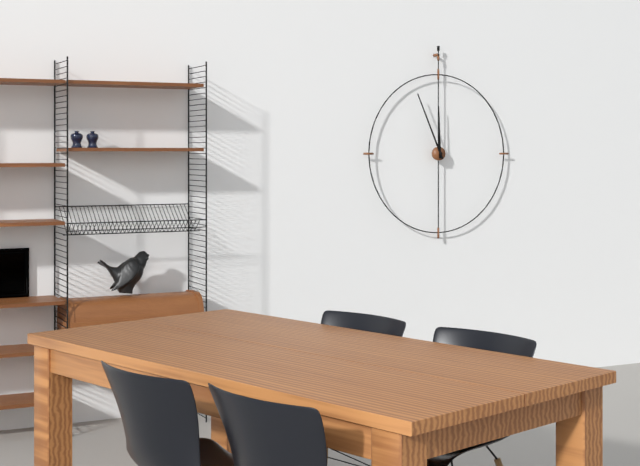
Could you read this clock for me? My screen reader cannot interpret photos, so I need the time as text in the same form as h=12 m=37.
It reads h=11 m=56
